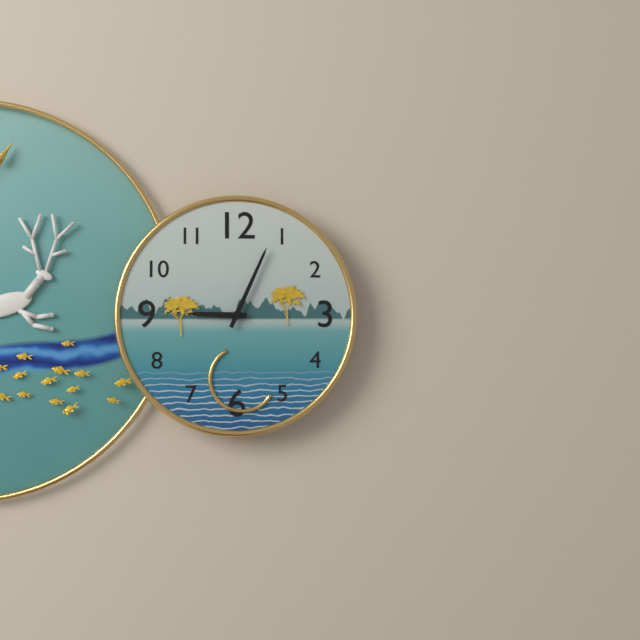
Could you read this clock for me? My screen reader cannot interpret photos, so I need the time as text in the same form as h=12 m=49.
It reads h=9 m=4
